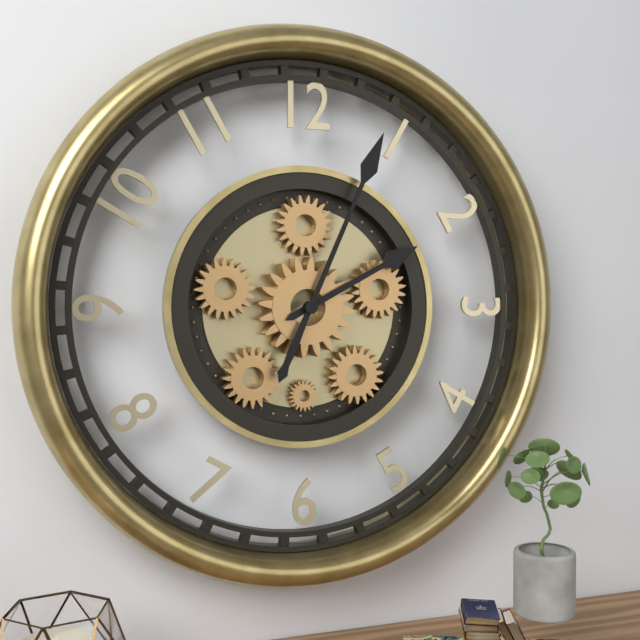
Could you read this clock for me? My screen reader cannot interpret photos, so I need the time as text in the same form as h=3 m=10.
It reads h=2 m=4
